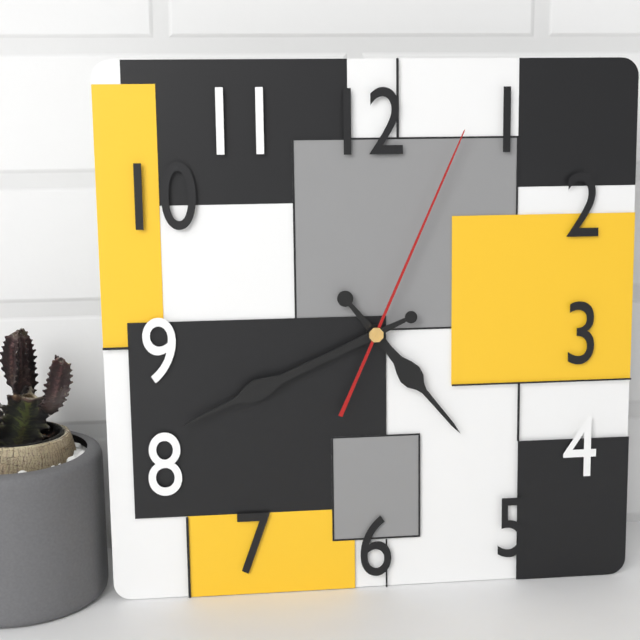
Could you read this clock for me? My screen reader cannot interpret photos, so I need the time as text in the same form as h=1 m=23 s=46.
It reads h=4 m=41 s=4
